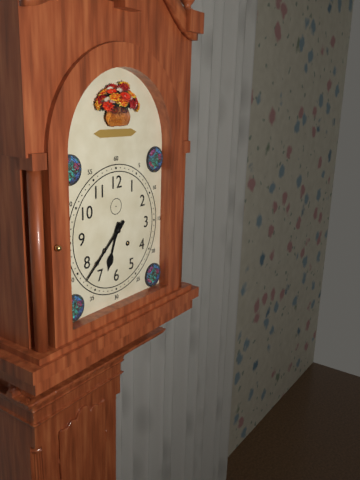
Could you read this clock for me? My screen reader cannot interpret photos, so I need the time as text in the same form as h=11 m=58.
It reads h=6 m=38
